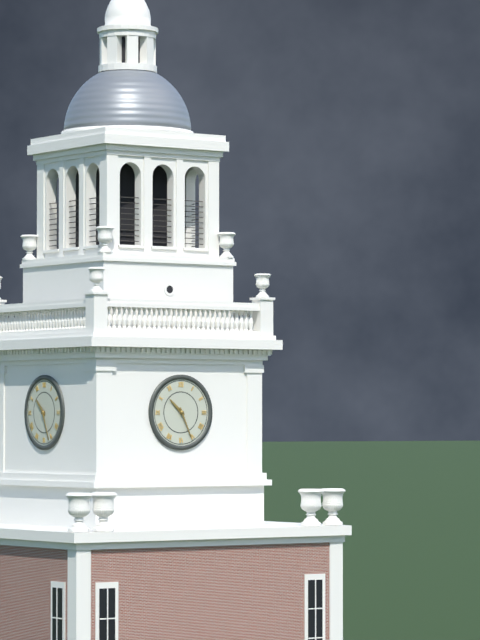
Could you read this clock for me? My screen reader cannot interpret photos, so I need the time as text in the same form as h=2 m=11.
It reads h=10 m=26
